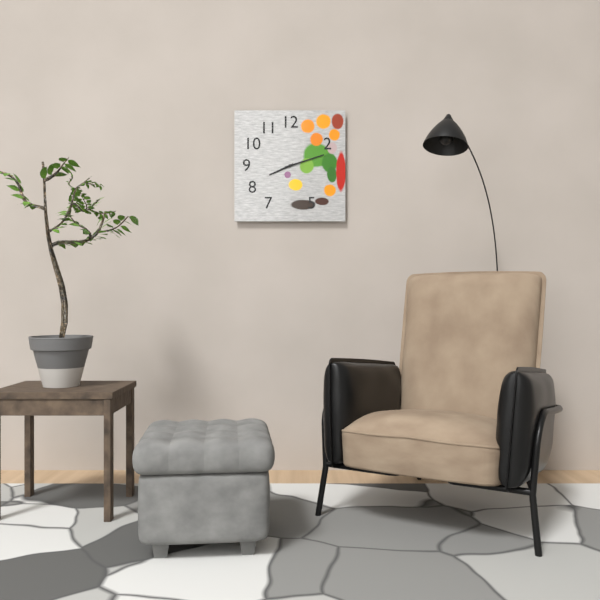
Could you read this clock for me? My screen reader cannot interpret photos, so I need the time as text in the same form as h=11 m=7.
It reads h=8 m=12
